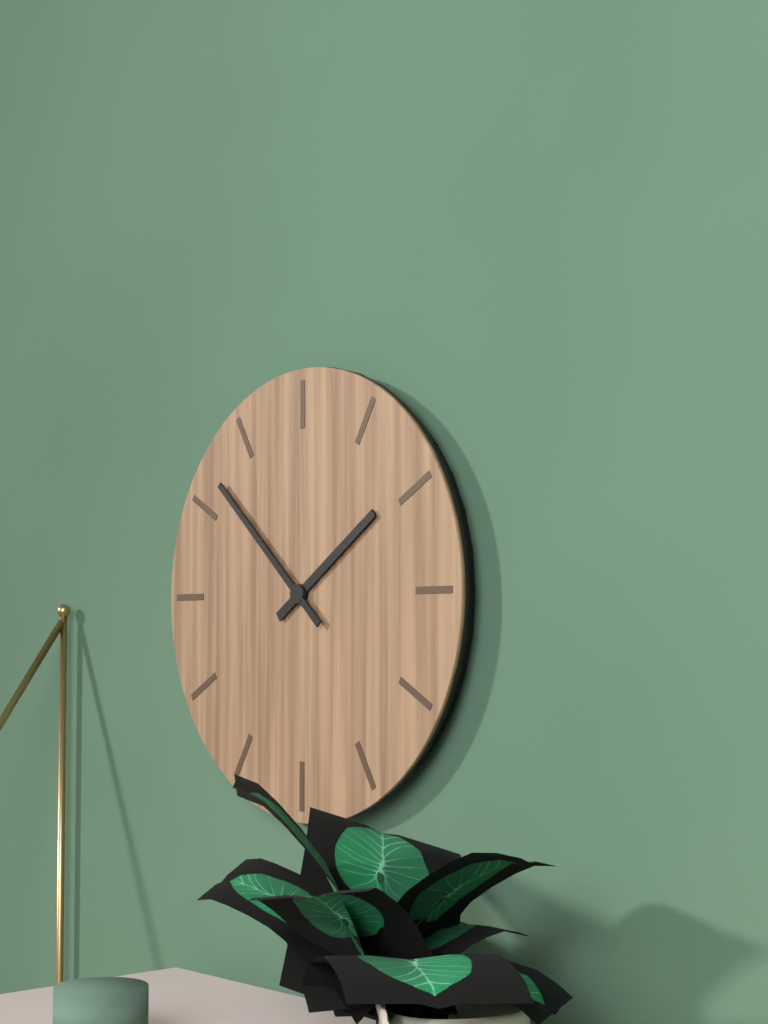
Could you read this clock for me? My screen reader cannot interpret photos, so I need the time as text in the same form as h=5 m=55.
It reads h=1 m=52
